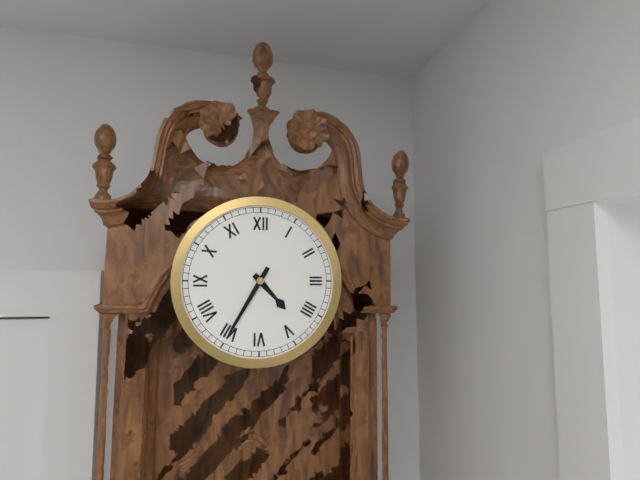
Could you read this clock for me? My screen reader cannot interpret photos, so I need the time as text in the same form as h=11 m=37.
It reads h=4 m=35
